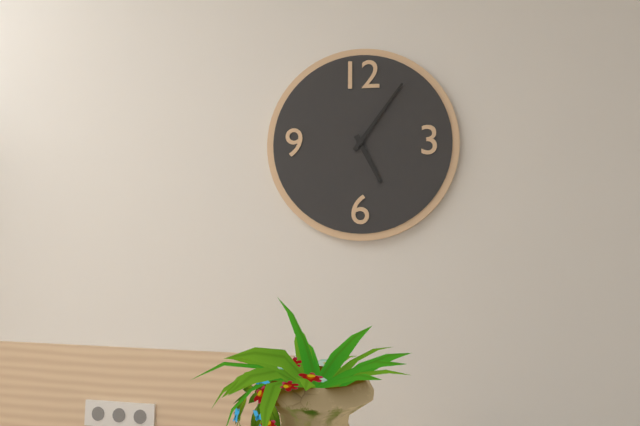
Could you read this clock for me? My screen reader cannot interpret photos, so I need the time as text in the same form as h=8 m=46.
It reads h=5 m=6
